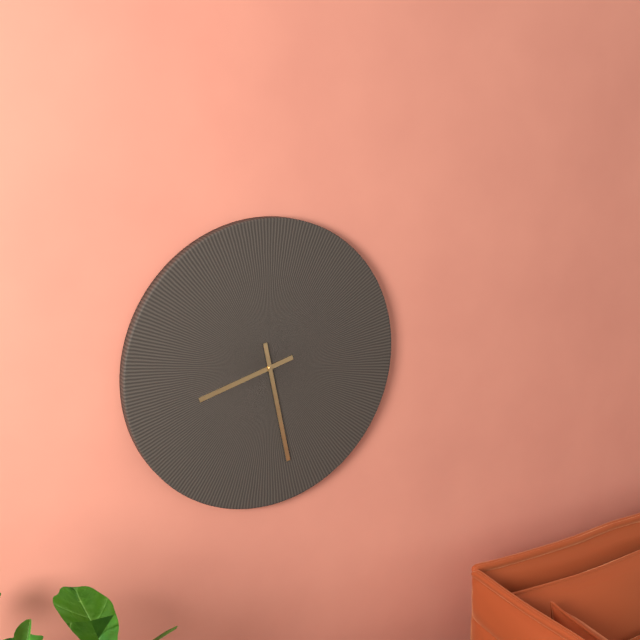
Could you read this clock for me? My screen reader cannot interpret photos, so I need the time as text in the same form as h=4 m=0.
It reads h=8 m=28
